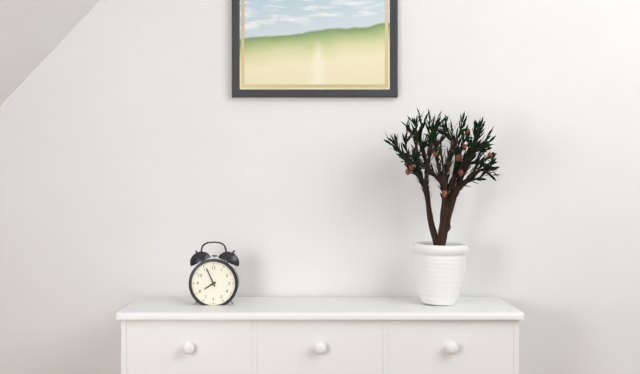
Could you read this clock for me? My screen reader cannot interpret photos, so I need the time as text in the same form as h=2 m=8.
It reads h=7 m=56
